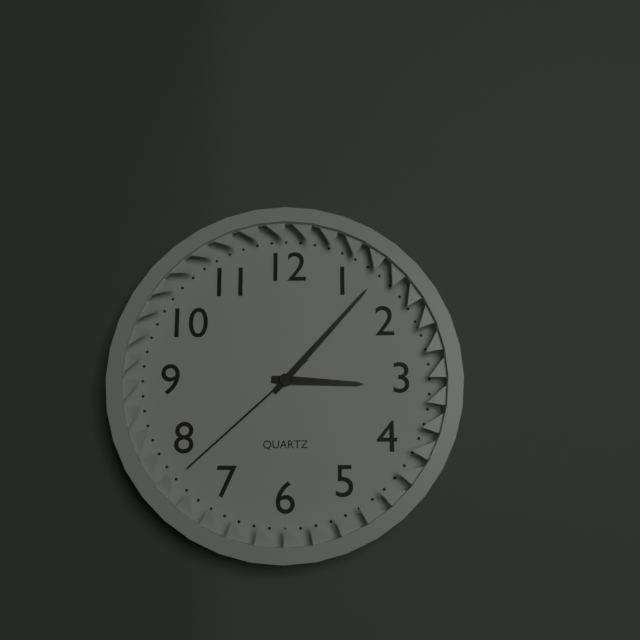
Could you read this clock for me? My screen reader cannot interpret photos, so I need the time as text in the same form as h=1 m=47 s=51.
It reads h=3 m=7 s=38
